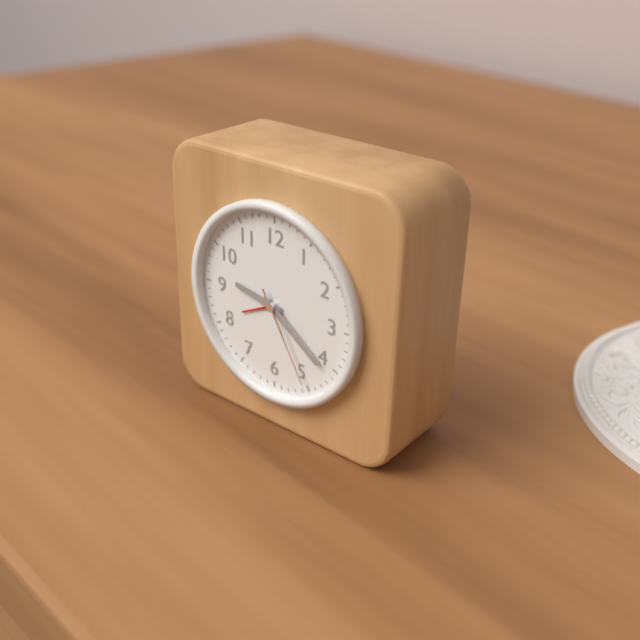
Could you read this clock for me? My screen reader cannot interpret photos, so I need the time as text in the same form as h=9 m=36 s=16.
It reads h=9 m=21 s=25
